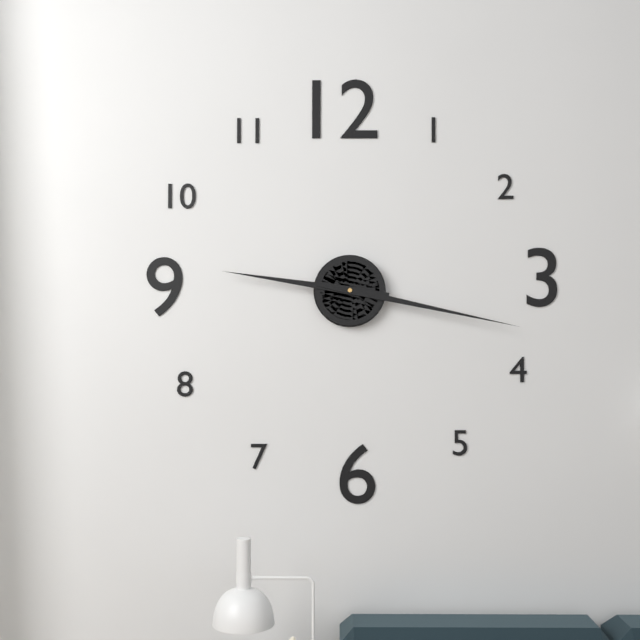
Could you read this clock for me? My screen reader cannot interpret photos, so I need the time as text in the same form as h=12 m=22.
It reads h=9 m=17
